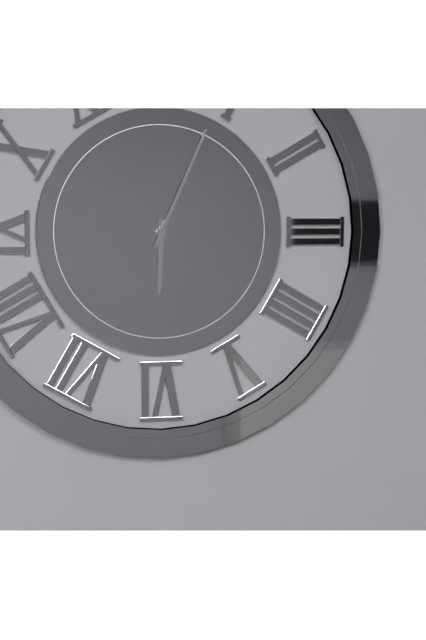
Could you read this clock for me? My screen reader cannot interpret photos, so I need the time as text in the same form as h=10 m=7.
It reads h=6 m=4
